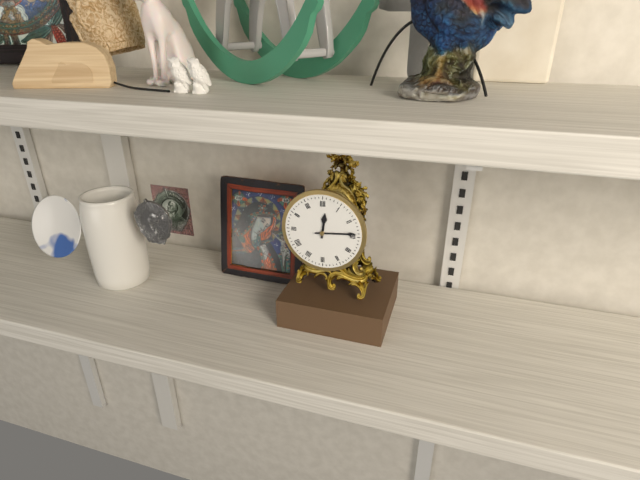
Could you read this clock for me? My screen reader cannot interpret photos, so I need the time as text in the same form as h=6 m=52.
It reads h=12 m=14
